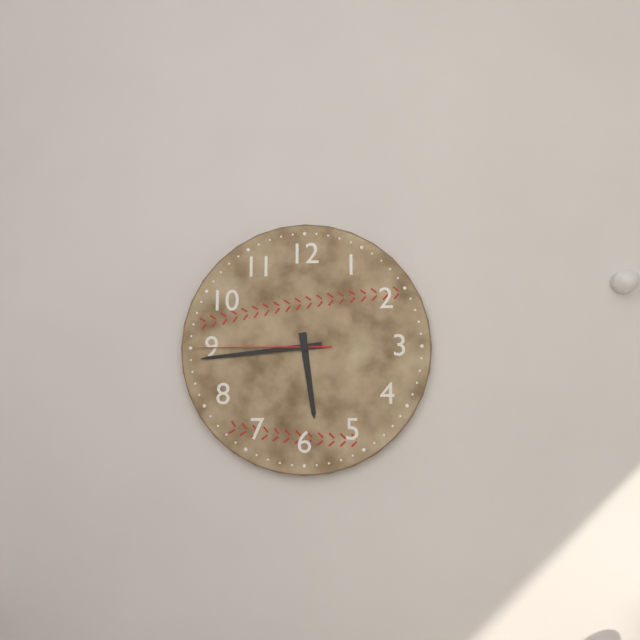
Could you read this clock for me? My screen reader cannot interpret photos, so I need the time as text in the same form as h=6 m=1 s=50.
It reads h=5 m=44 s=45
